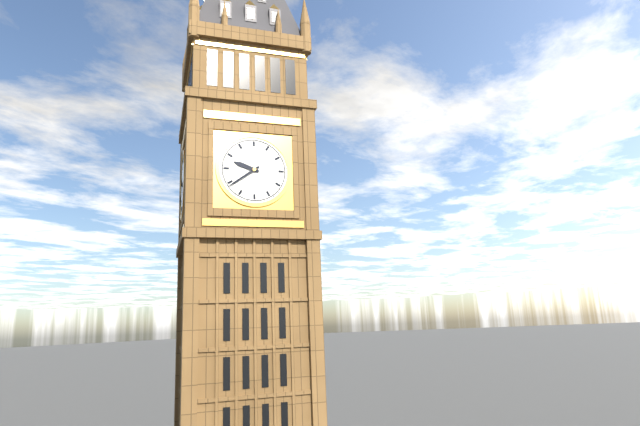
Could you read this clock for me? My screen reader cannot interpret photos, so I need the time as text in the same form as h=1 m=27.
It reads h=9 m=39
